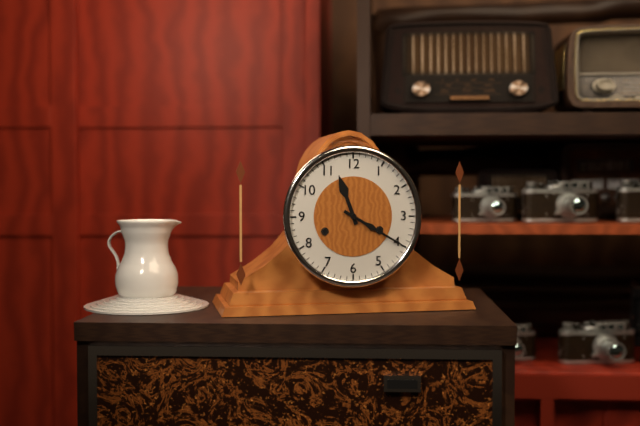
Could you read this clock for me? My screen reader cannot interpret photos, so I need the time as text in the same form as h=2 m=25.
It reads h=11 m=20
